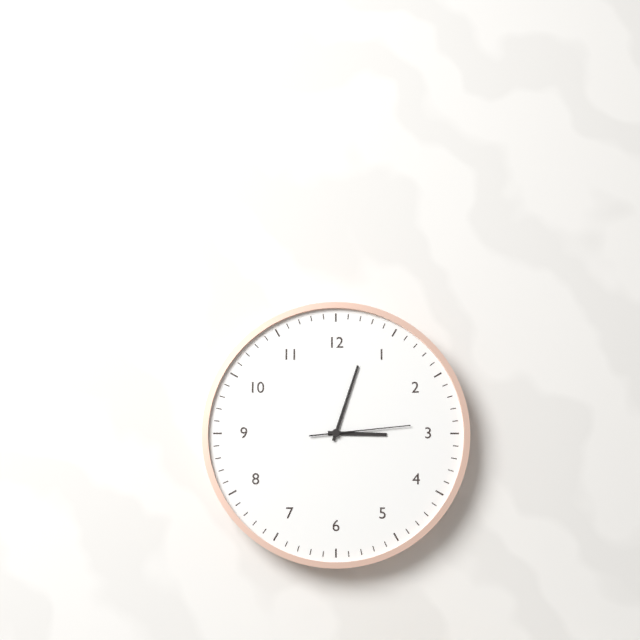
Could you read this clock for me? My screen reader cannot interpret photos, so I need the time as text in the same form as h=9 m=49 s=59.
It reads h=3 m=3 s=14
